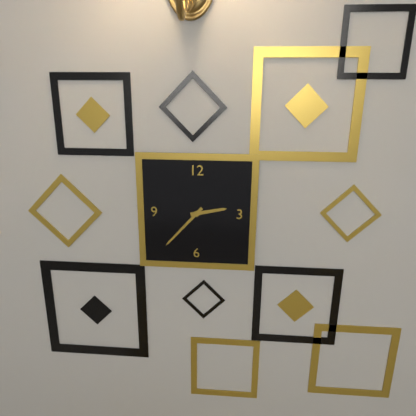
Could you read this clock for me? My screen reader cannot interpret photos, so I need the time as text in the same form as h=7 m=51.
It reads h=2 m=37
